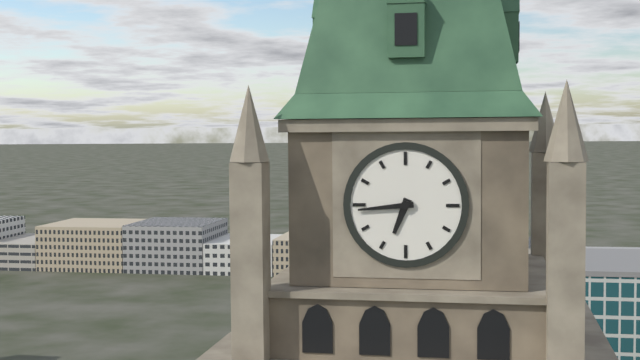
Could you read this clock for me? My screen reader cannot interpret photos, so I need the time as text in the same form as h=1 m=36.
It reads h=6 m=44
